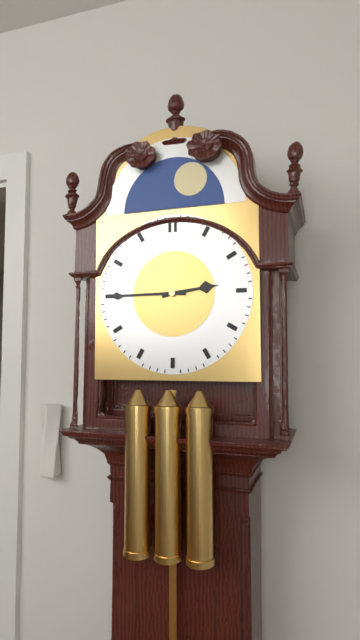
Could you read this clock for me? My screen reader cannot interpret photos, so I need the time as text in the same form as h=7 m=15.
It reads h=2 m=45
